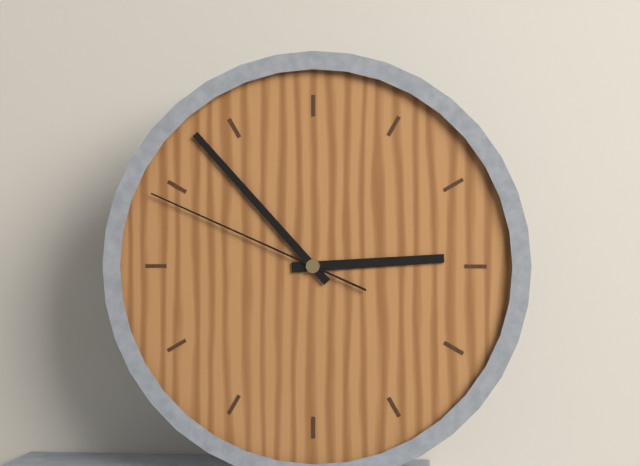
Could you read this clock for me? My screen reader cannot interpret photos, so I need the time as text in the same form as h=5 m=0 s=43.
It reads h=2 m=53 s=49
